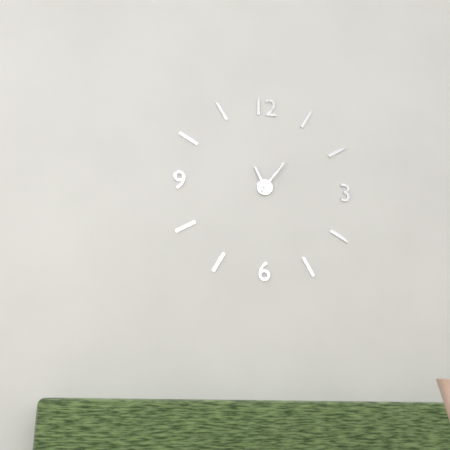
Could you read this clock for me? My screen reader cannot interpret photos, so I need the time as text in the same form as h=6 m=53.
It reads h=11 m=6
